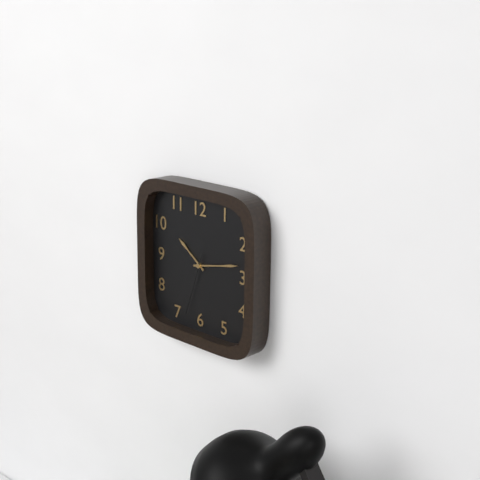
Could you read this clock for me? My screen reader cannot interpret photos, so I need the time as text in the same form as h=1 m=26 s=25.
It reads h=10 m=13 s=33
